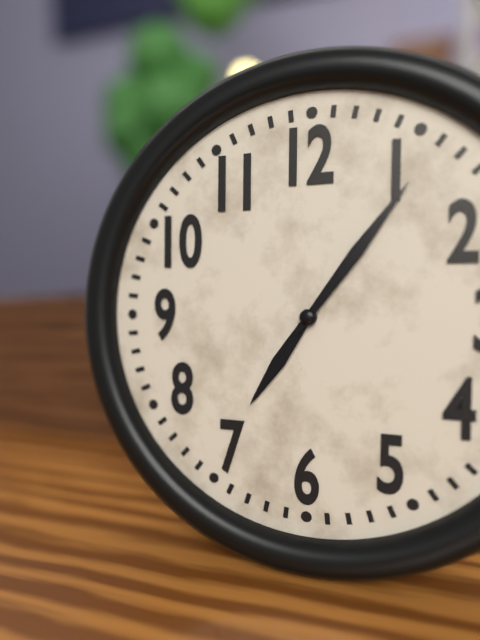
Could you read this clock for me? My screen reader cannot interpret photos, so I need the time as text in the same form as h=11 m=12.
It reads h=7 m=6
